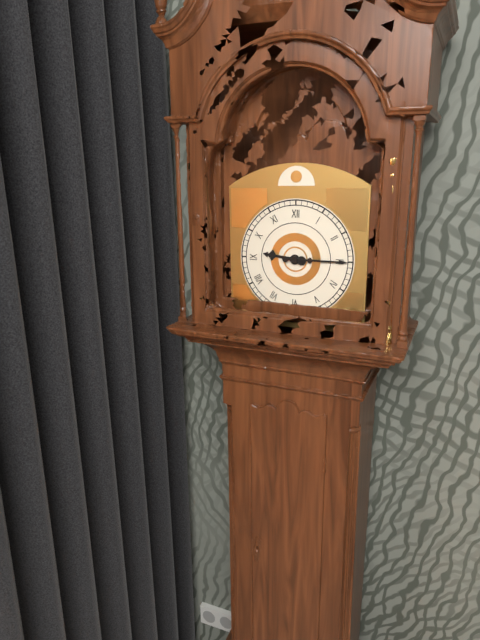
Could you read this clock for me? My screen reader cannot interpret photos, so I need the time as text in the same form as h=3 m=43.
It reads h=9 m=15
